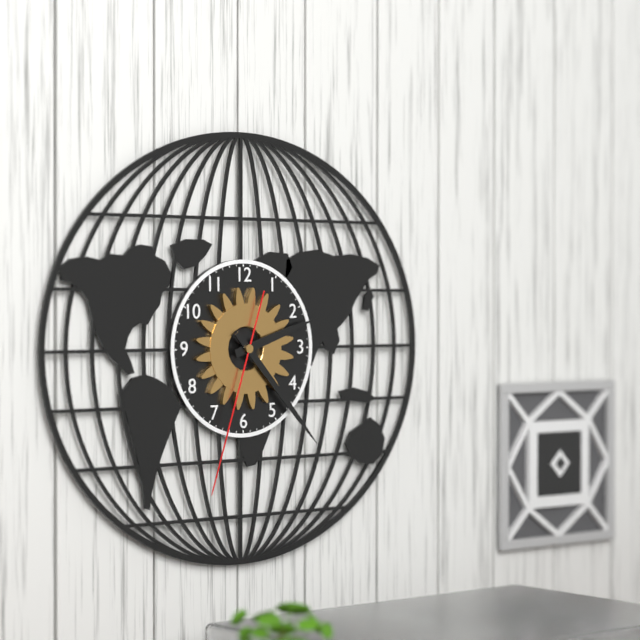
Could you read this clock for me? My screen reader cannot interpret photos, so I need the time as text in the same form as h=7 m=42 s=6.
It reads h=2 m=23 s=33
